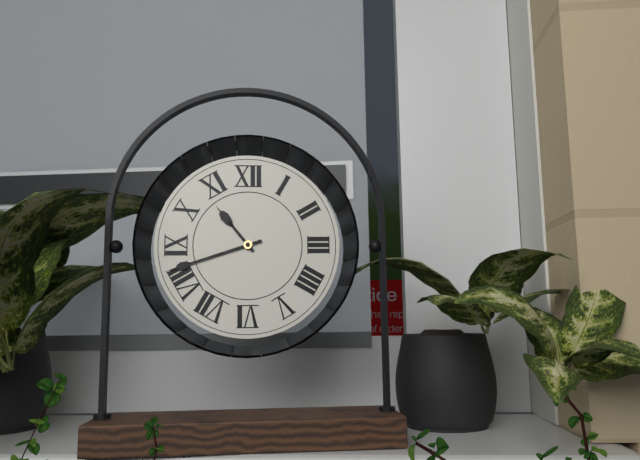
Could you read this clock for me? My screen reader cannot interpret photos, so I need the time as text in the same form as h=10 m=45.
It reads h=10 m=42
